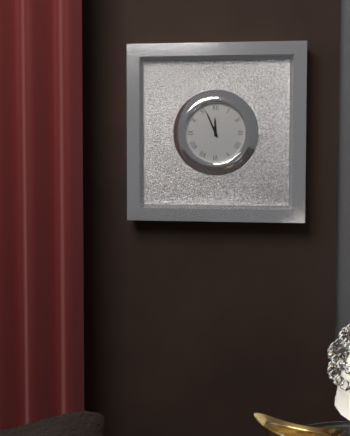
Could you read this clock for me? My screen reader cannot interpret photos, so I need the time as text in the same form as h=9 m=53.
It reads h=11 m=56
